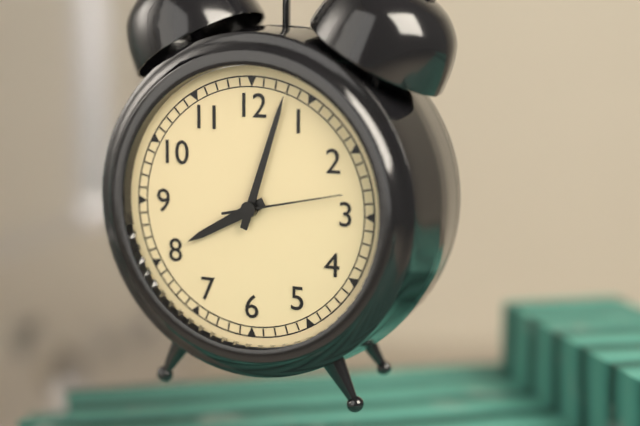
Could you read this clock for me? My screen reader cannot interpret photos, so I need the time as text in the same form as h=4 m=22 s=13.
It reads h=8 m=3 s=13
